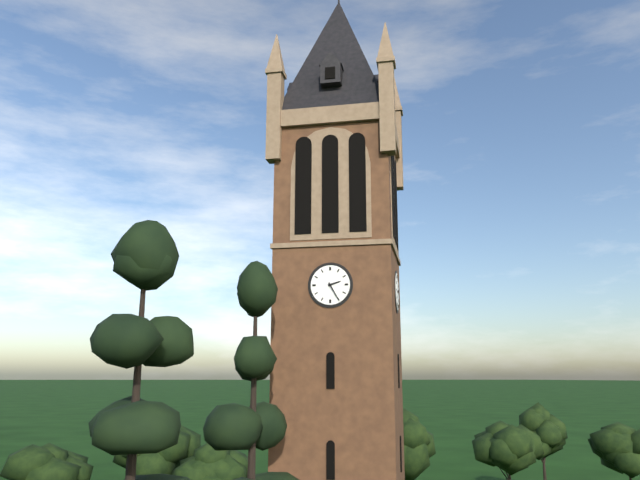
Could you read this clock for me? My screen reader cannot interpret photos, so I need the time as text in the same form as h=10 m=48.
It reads h=2 m=25
